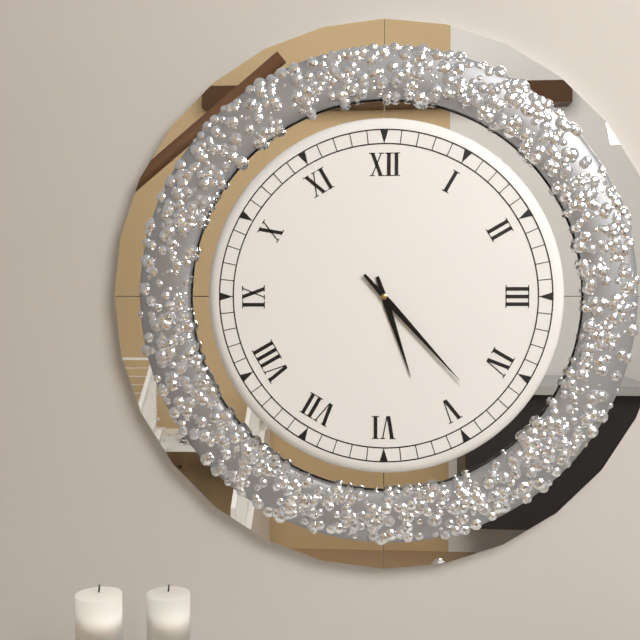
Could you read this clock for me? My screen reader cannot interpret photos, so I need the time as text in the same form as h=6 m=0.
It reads h=5 m=23
